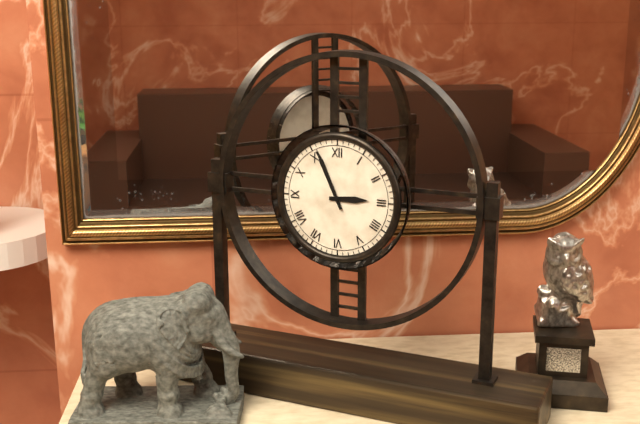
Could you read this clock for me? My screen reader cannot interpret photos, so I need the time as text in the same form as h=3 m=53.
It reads h=2 m=56
